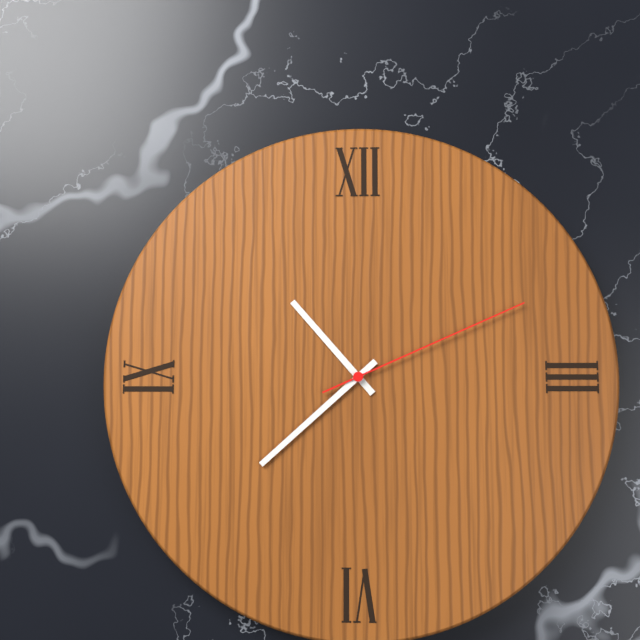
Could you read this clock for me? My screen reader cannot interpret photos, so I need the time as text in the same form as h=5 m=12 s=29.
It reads h=10 m=38 s=11
